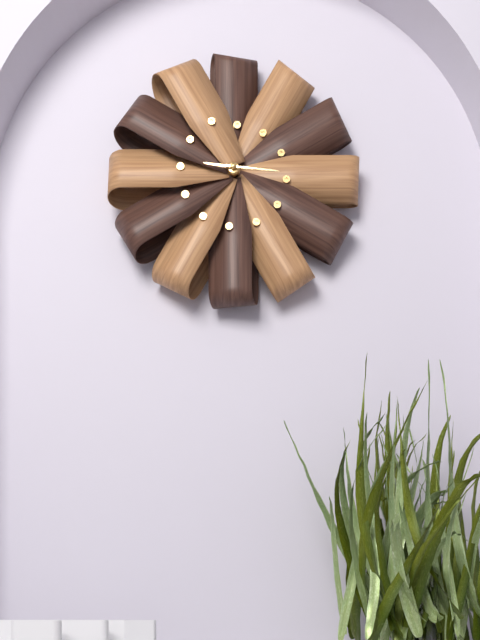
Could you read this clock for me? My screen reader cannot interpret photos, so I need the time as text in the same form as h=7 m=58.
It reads h=9 m=16
